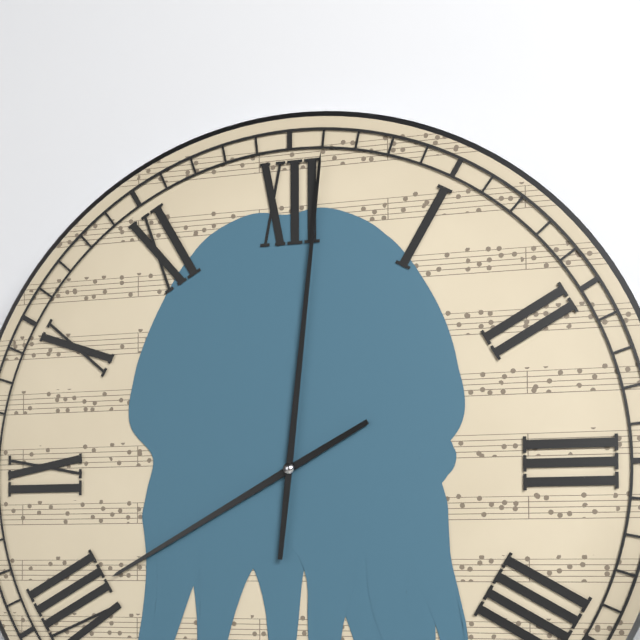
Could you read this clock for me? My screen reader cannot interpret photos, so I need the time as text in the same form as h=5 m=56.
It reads h=8 m=1
